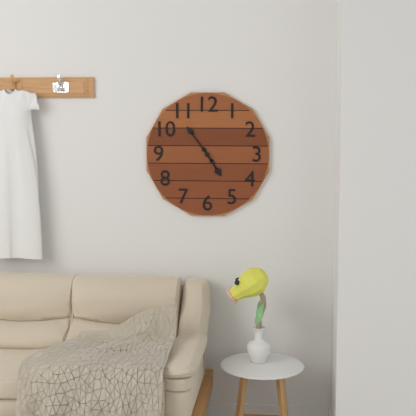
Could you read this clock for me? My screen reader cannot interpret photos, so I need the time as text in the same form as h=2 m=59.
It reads h=4 m=54
